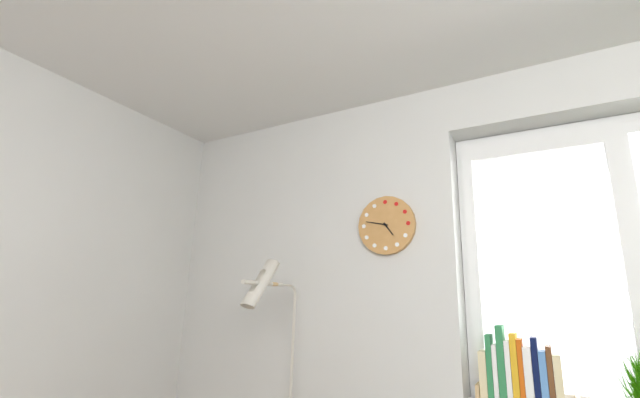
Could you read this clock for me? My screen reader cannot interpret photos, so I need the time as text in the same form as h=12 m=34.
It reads h=4 m=47
